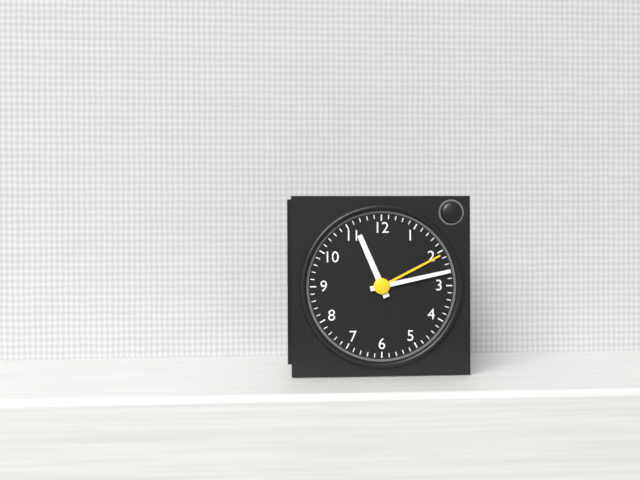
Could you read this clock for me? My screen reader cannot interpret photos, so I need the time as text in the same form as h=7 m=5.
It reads h=11 m=13
